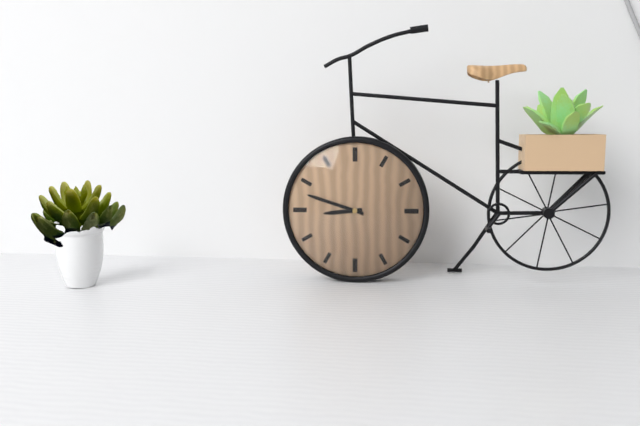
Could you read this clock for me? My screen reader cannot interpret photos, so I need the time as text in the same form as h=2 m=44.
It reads h=8 m=48
